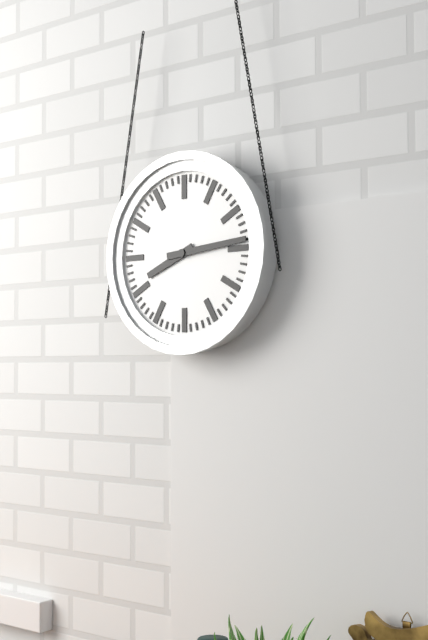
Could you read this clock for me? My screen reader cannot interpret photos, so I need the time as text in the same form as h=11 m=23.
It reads h=8 m=14
